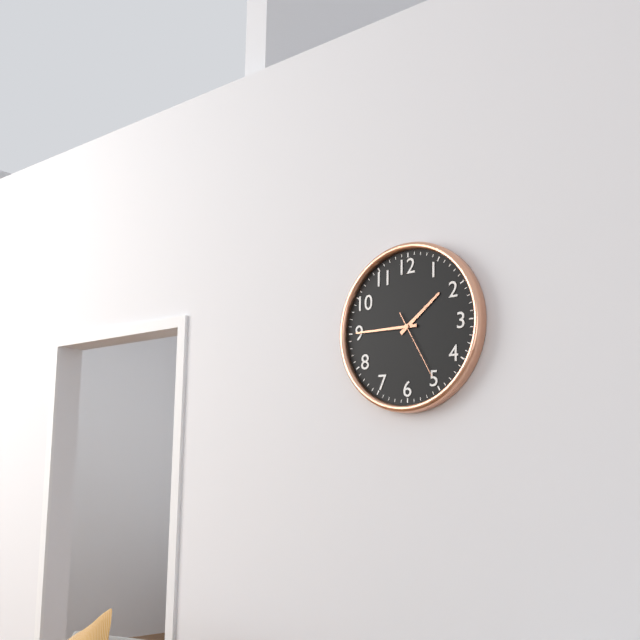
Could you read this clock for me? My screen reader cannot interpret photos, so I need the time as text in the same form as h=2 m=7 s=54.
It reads h=1 m=45 s=25
